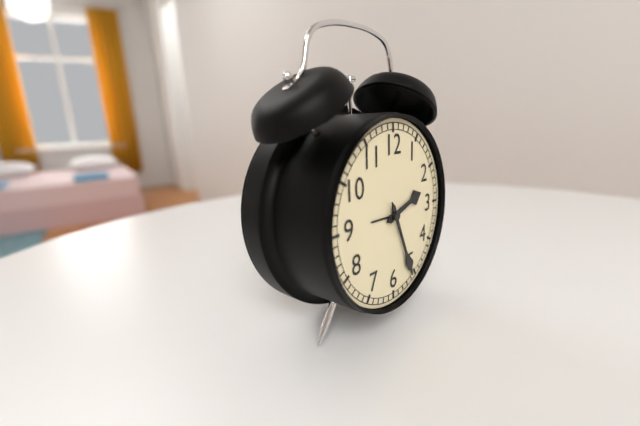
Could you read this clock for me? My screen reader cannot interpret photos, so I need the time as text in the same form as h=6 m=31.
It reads h=2 m=26
